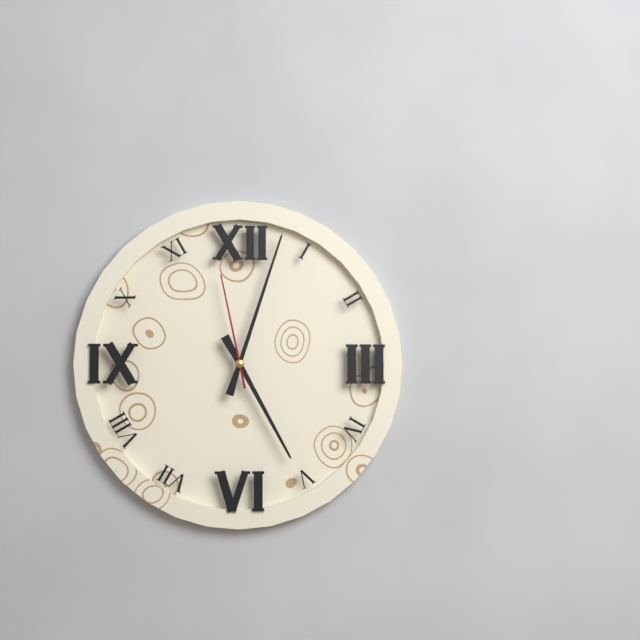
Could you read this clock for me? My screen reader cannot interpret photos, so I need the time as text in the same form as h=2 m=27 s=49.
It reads h=5 m=3 s=58
